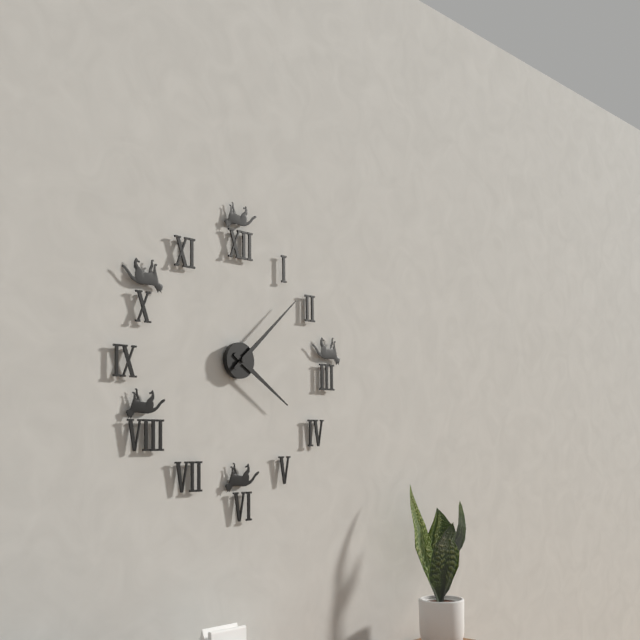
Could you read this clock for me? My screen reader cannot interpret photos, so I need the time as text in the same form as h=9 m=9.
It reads h=4 m=8
